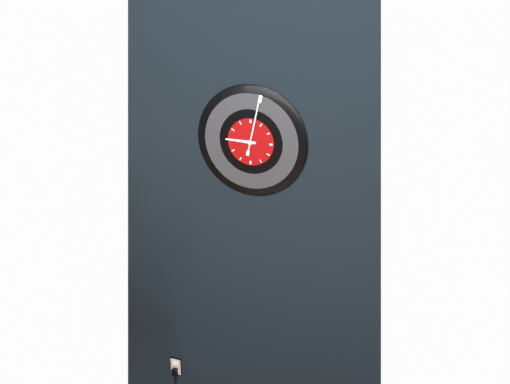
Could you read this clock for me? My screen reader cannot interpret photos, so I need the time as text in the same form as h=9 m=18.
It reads h=9 m=2
